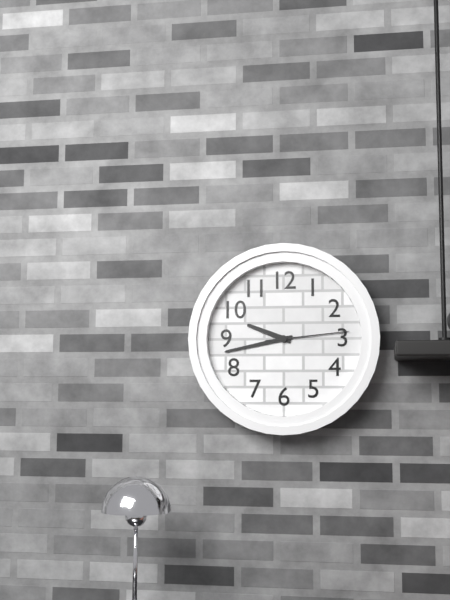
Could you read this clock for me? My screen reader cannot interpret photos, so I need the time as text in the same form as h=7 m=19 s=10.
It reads h=9 m=43 s=14
